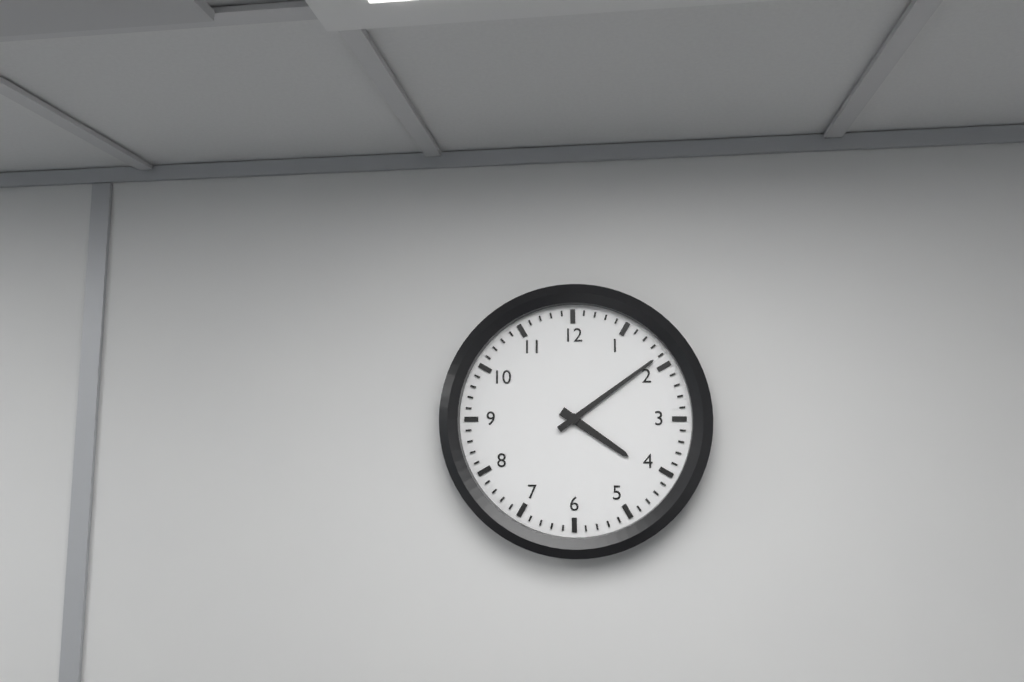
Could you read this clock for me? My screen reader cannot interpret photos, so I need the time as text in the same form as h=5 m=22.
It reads h=4 m=9
